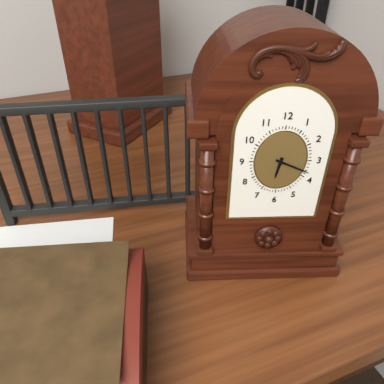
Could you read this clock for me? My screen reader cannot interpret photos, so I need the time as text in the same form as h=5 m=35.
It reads h=6 m=19
